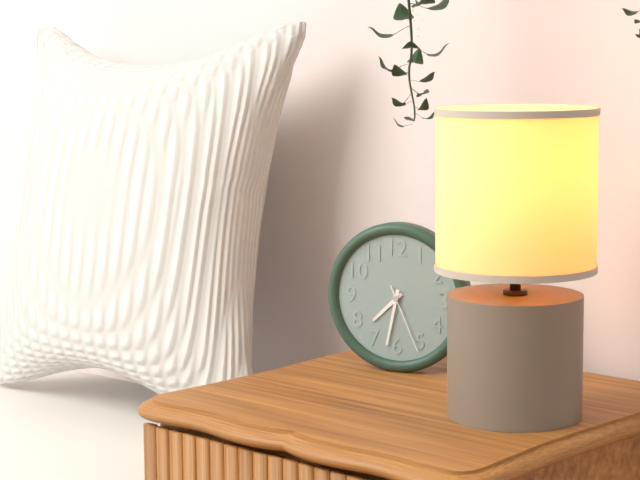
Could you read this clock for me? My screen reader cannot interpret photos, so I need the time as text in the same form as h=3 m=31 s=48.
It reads h=7 m=32 s=26
